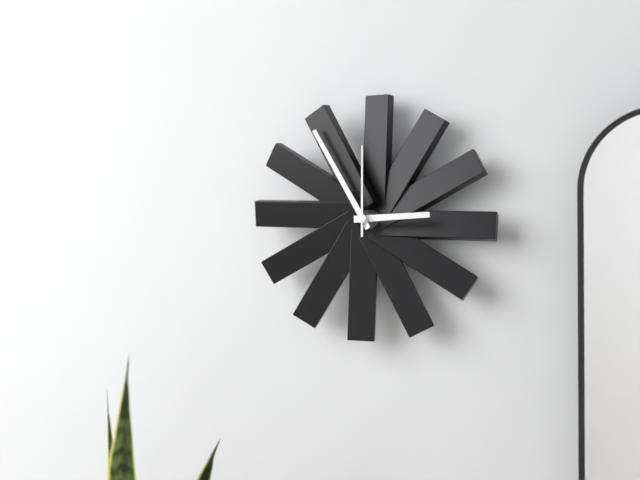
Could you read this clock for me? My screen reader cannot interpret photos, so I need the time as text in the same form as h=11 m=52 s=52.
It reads h=2 m=55 s=0
